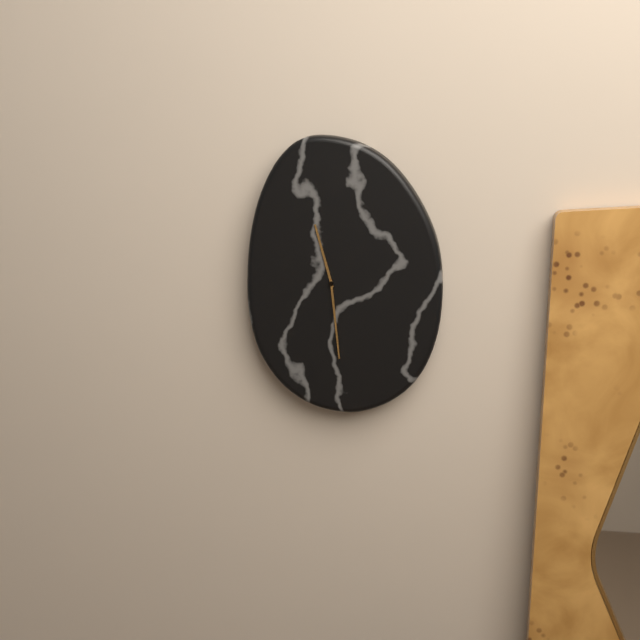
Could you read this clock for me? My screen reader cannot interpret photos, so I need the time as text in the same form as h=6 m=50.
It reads h=11 m=29
